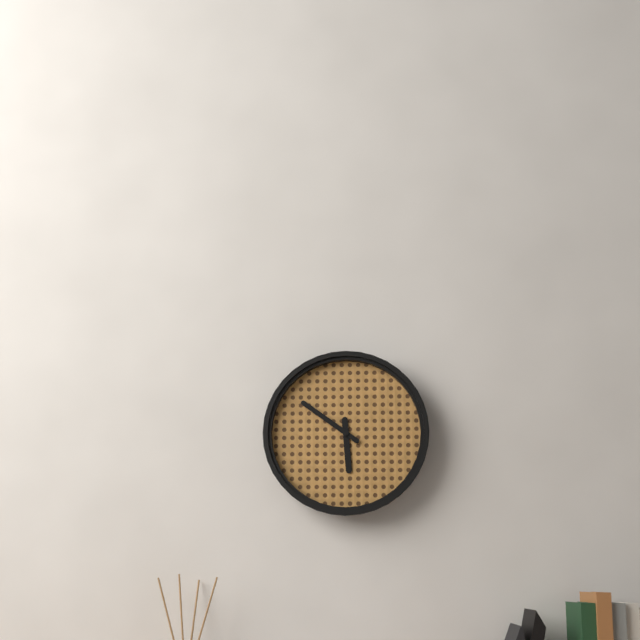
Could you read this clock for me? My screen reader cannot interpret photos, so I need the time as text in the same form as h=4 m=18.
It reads h=5 m=51
